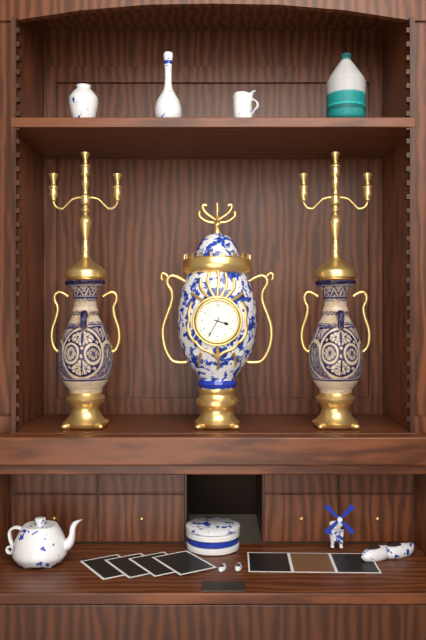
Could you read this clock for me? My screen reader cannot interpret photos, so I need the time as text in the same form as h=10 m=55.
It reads h=3 m=35
